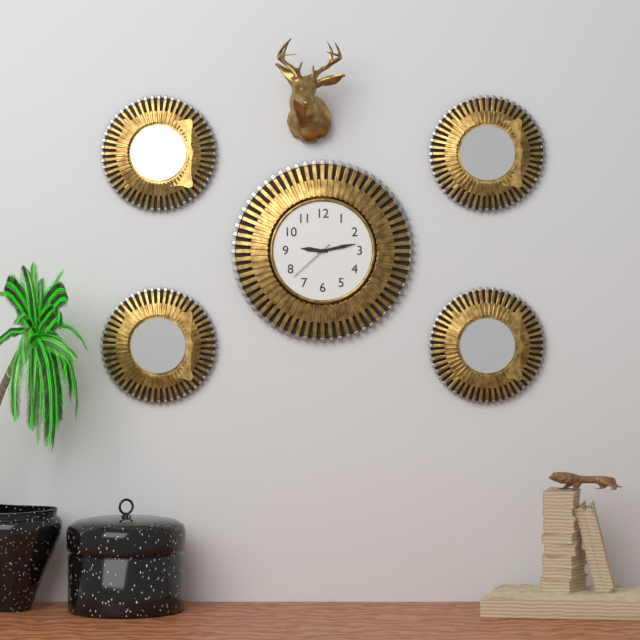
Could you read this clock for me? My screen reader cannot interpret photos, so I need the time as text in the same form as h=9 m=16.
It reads h=9 m=13
